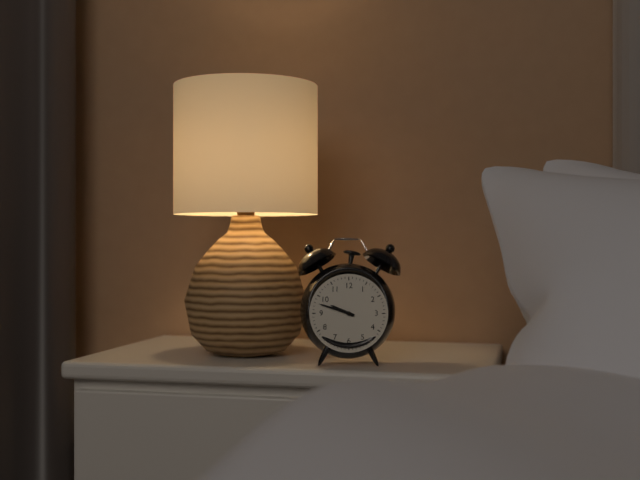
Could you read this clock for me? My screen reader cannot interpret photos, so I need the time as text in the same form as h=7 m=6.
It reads h=9 m=48
